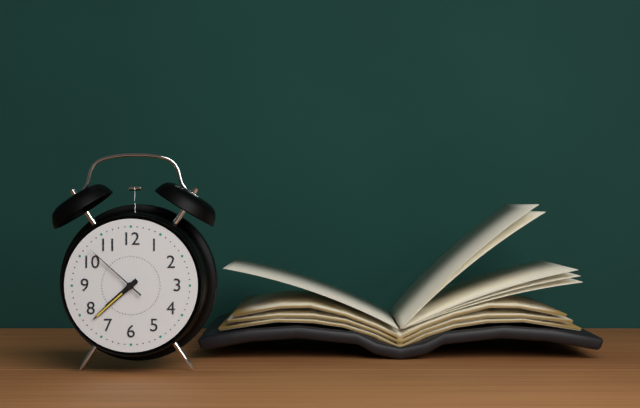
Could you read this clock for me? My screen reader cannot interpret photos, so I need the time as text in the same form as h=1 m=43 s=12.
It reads h=7 m=38 s=52
